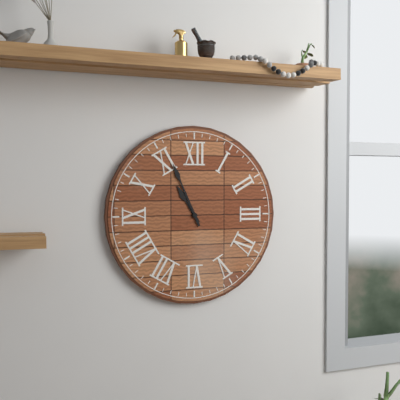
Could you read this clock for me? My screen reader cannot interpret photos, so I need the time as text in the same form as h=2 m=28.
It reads h=10 m=56
